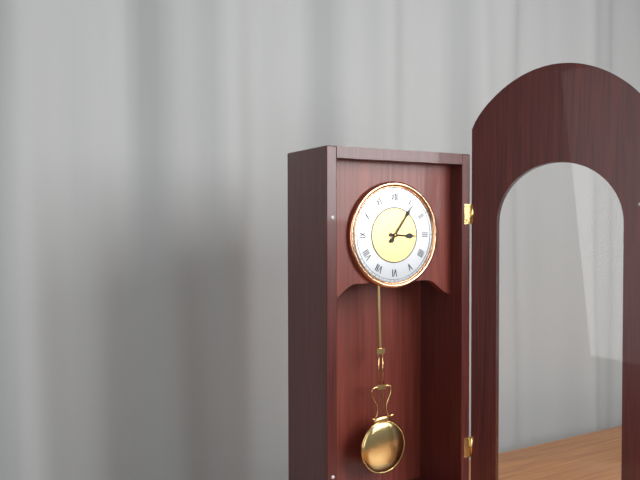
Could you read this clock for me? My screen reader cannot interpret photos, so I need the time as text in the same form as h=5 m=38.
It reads h=3 m=6
